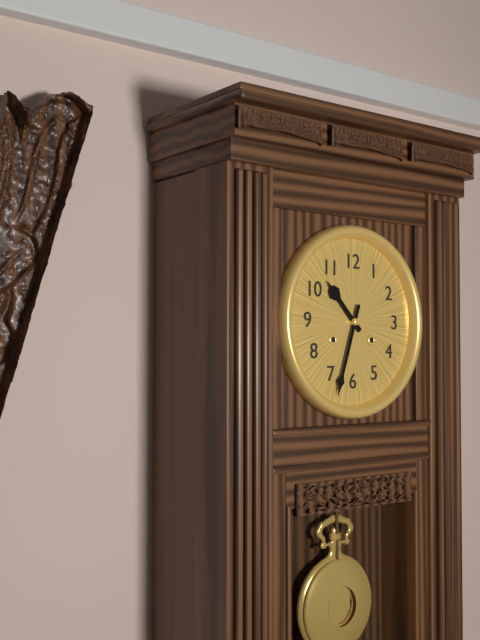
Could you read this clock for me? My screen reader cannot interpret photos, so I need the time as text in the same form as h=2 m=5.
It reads h=10 m=33
